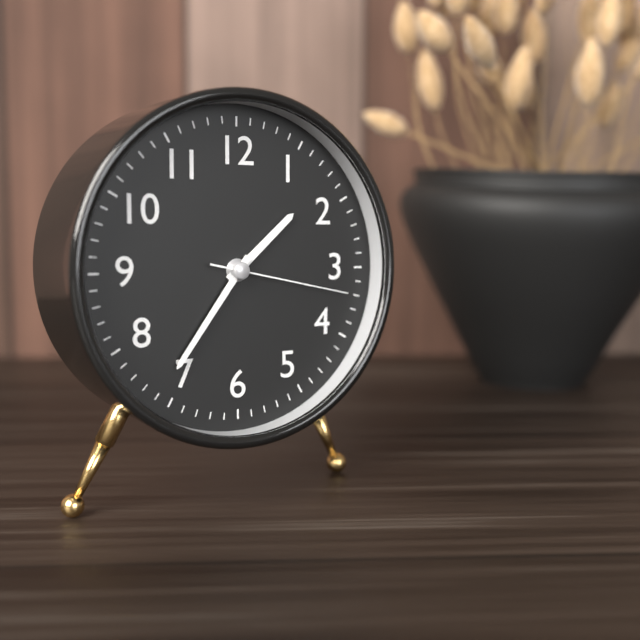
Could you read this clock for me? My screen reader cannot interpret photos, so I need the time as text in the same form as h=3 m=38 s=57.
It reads h=1 m=36 s=17
